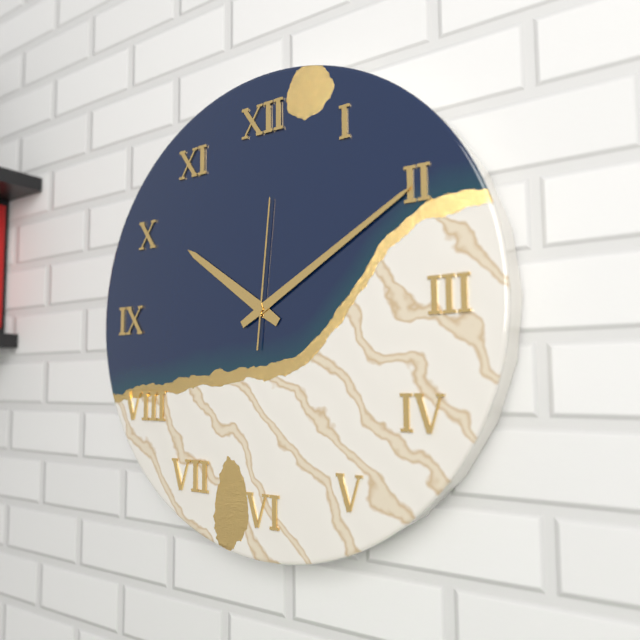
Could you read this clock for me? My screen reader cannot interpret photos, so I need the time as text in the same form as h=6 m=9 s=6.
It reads h=10 m=10 s=1
